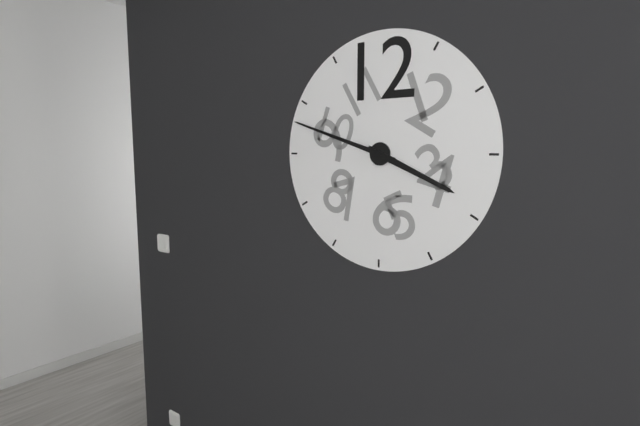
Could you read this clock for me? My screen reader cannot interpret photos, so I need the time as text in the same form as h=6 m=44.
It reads h=3 m=48
